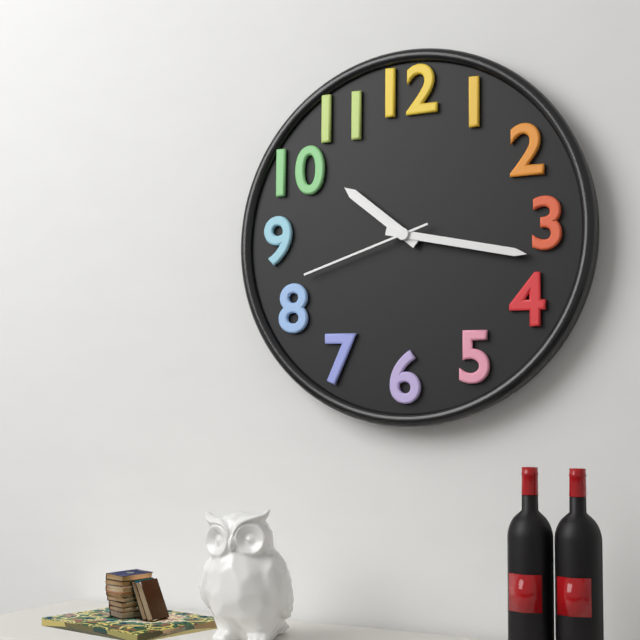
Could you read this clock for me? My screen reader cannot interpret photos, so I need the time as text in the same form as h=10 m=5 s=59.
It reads h=10 m=17 s=42
